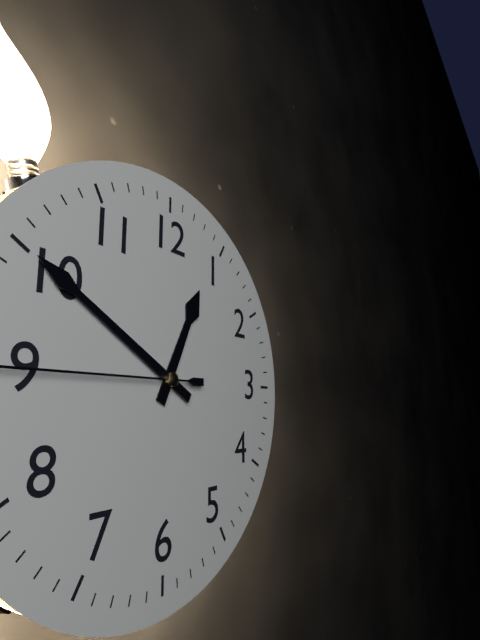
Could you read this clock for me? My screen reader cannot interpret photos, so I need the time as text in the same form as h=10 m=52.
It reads h=12 m=50
